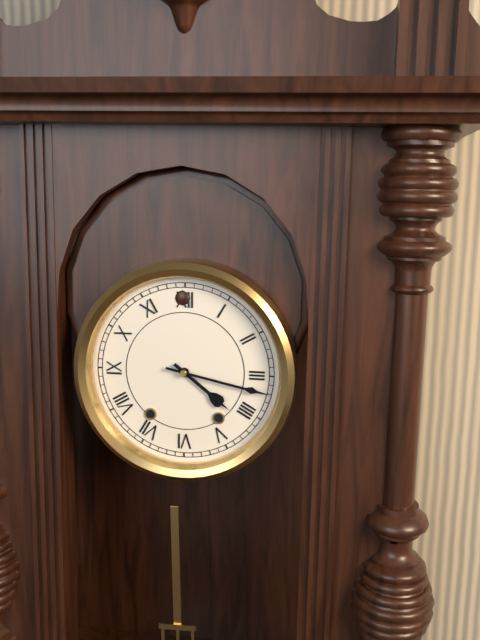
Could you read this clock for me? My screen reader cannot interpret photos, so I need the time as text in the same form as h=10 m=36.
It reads h=4 m=17
